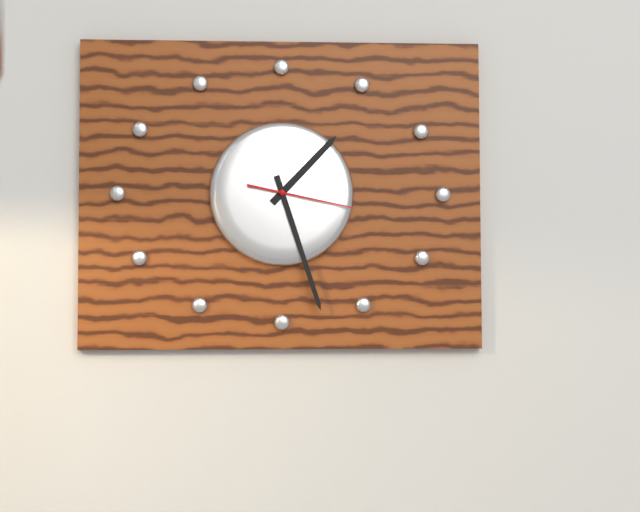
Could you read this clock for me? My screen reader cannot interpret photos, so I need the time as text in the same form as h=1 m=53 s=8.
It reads h=1 m=27 s=17
